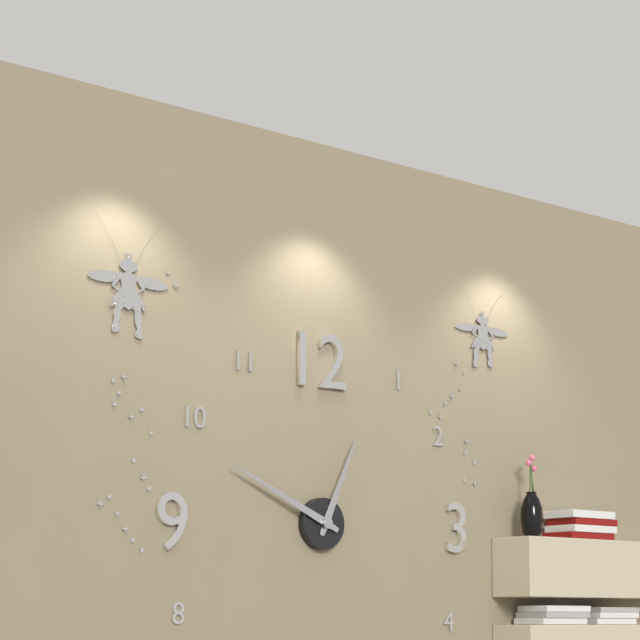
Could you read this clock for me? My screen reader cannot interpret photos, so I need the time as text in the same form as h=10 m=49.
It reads h=12 m=49
